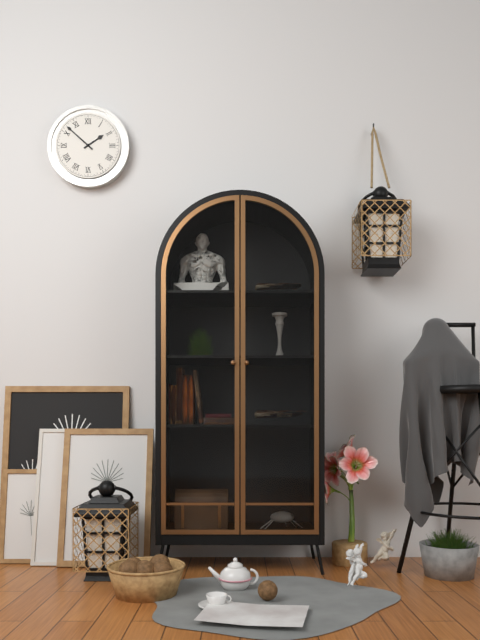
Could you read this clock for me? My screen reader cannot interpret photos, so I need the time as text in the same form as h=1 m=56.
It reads h=1 m=52
